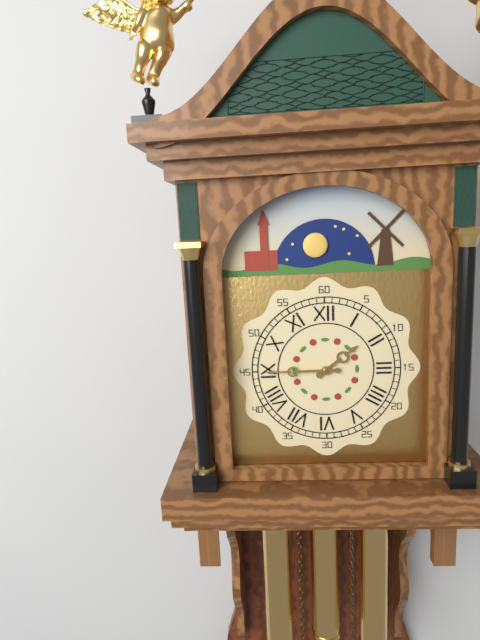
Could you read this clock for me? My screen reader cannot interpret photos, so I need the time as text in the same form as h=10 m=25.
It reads h=1 m=45
